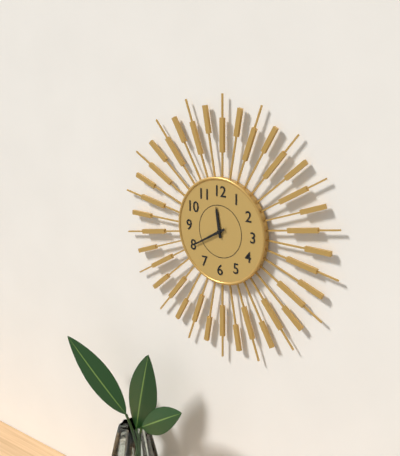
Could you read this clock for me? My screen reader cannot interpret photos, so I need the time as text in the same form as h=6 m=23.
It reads h=11 m=40
